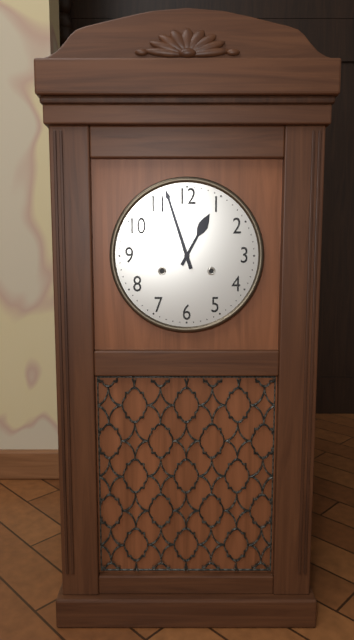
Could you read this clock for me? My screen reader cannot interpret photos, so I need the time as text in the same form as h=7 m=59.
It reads h=12 m=57
